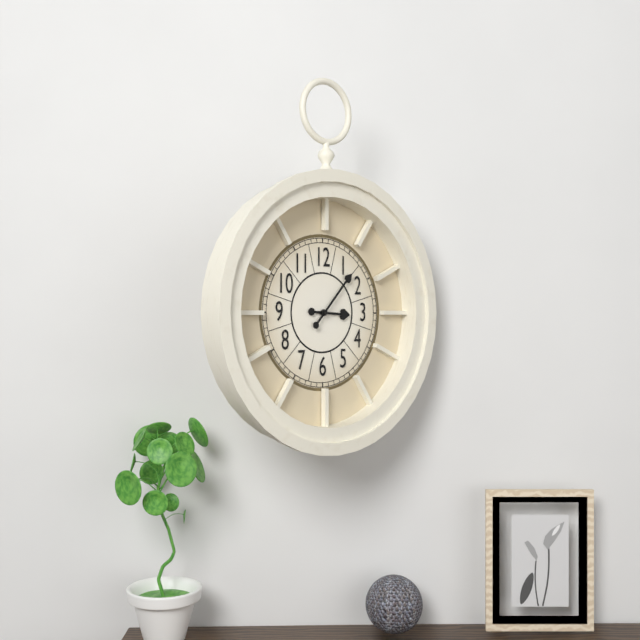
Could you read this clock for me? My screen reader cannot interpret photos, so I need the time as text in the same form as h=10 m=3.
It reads h=3 m=7
